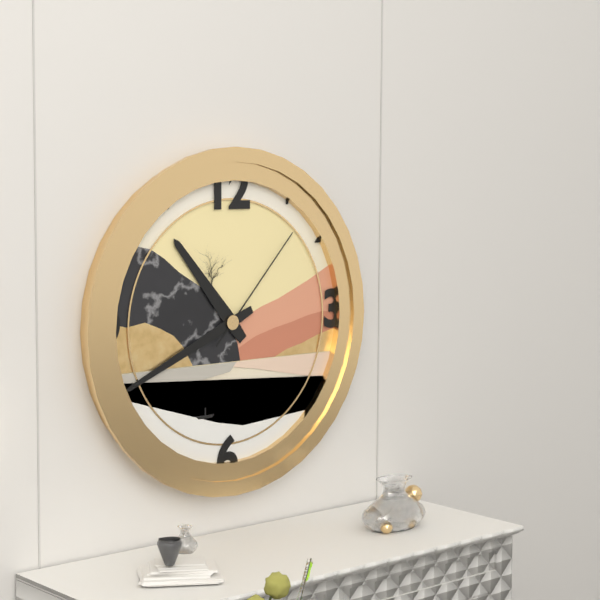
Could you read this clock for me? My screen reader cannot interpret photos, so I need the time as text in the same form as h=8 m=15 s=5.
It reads h=10 m=41 s=7
